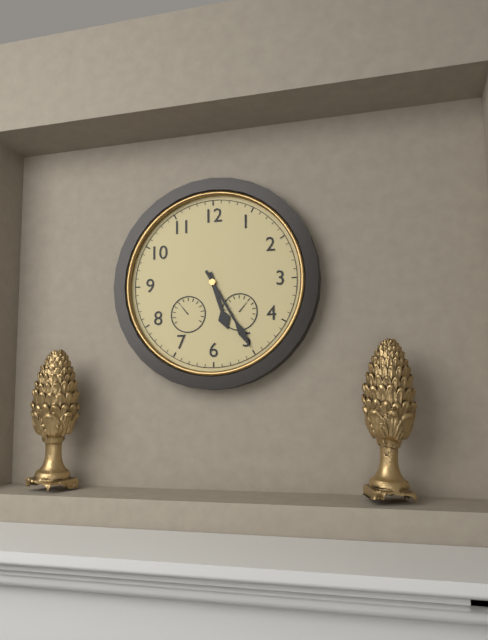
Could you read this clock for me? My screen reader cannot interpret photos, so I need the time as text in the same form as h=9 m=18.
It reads h=5 m=25
